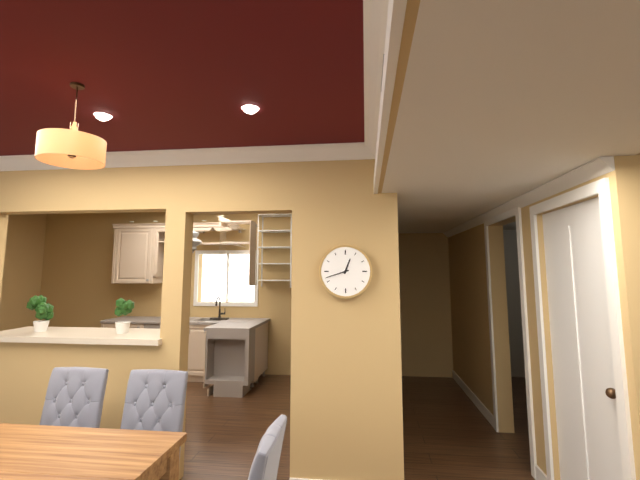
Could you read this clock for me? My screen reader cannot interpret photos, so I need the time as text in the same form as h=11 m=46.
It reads h=12 m=42
